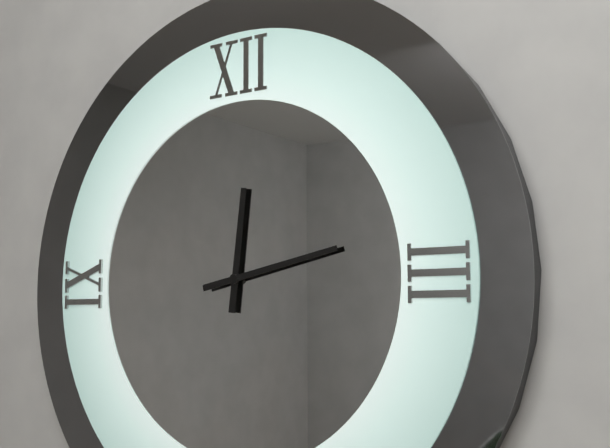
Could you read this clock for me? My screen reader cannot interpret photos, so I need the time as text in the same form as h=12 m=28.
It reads h=12 m=13
